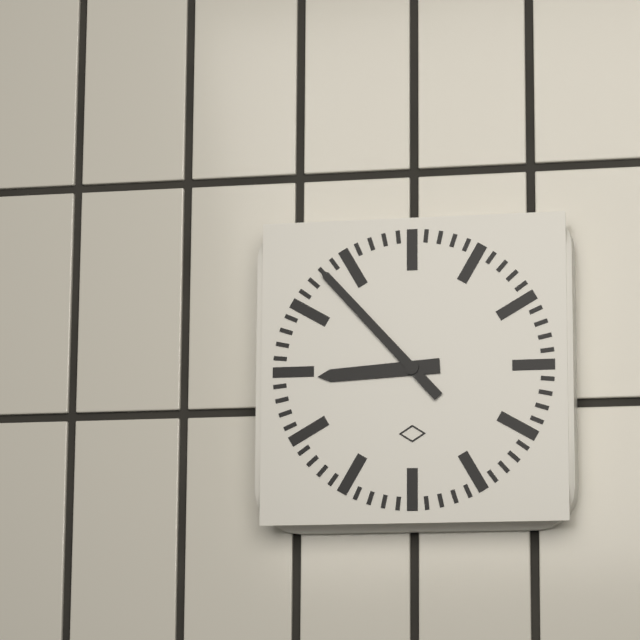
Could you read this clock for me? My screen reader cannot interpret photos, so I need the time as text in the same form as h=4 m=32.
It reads h=8 m=53
